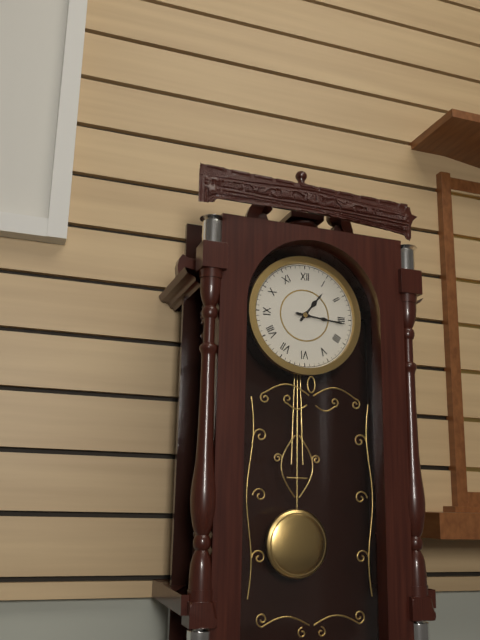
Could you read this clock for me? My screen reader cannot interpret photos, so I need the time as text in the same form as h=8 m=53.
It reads h=1 m=16
